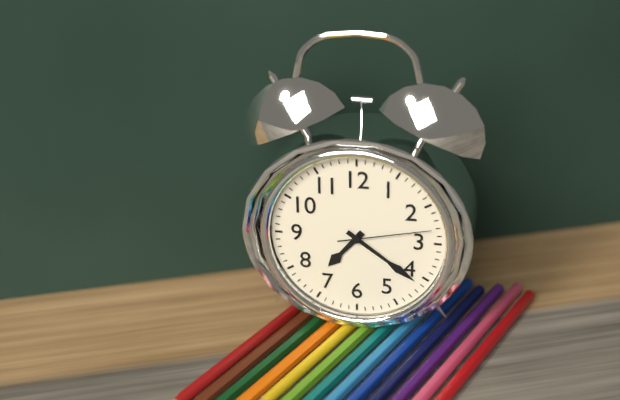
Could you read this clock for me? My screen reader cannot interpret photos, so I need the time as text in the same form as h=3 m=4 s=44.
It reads h=7 m=21 s=13
